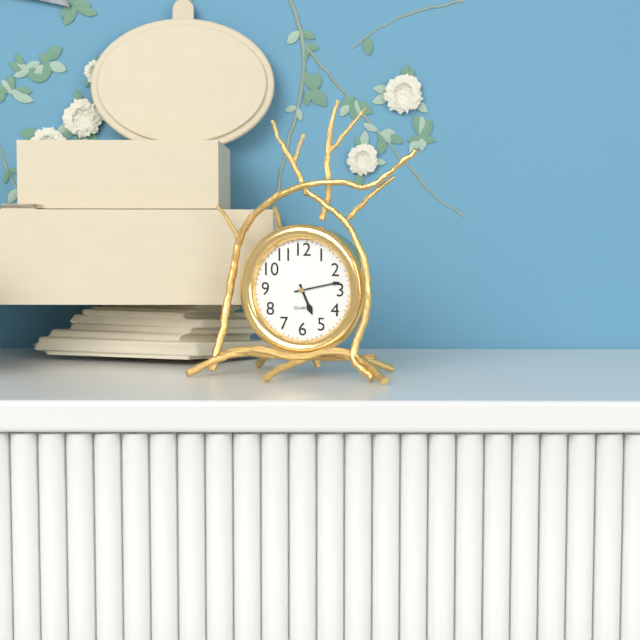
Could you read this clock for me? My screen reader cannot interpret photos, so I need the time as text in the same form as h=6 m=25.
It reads h=5 m=13
